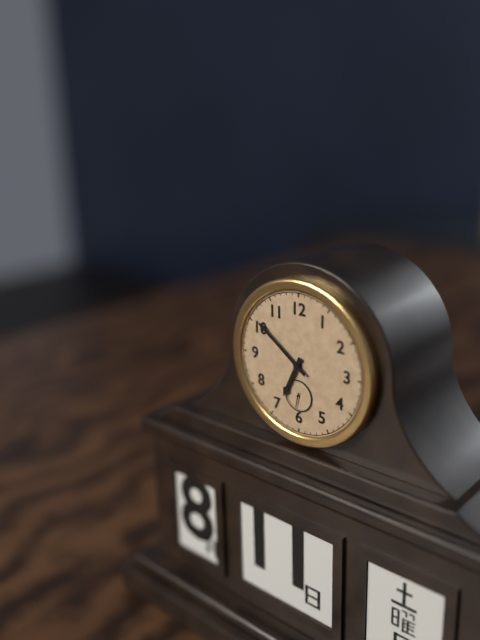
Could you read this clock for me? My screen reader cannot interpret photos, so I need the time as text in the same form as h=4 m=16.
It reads h=6 m=51
